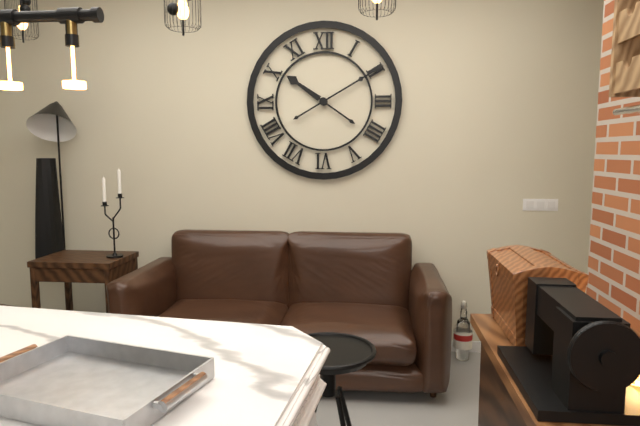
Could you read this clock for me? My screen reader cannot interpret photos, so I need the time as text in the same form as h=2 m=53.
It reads h=10 m=10
